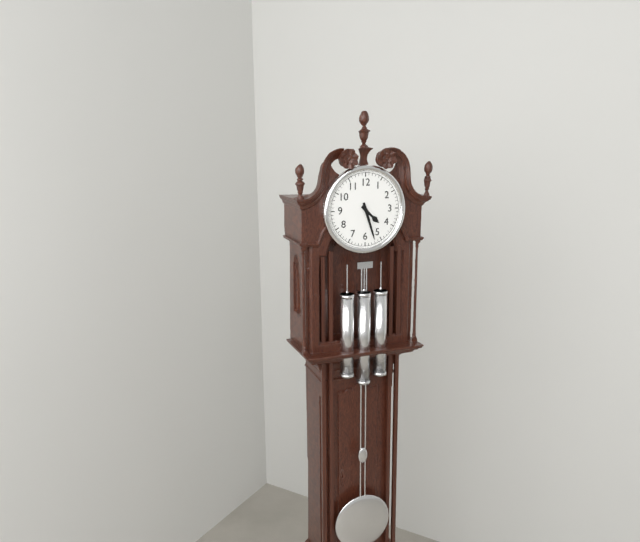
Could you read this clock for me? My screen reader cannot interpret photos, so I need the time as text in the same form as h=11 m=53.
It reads h=4 m=27
